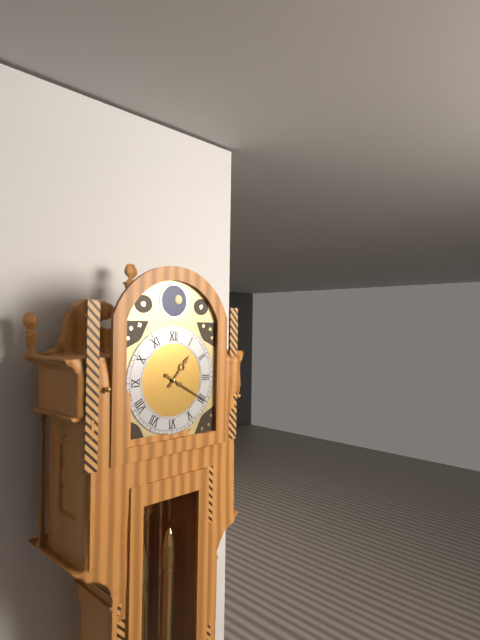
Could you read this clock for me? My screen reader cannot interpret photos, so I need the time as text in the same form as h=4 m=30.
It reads h=1 m=20
